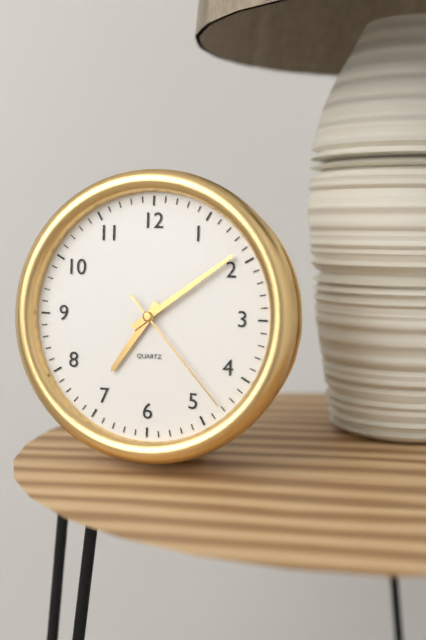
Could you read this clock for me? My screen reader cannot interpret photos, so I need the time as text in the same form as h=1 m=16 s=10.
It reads h=7 m=9 s=23
